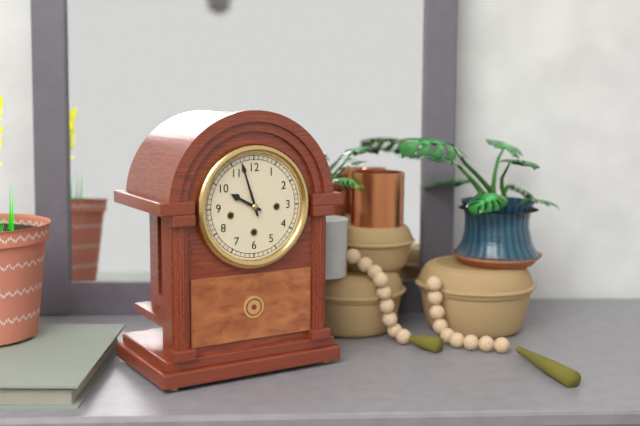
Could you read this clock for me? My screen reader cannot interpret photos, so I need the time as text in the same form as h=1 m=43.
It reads h=9 m=57
